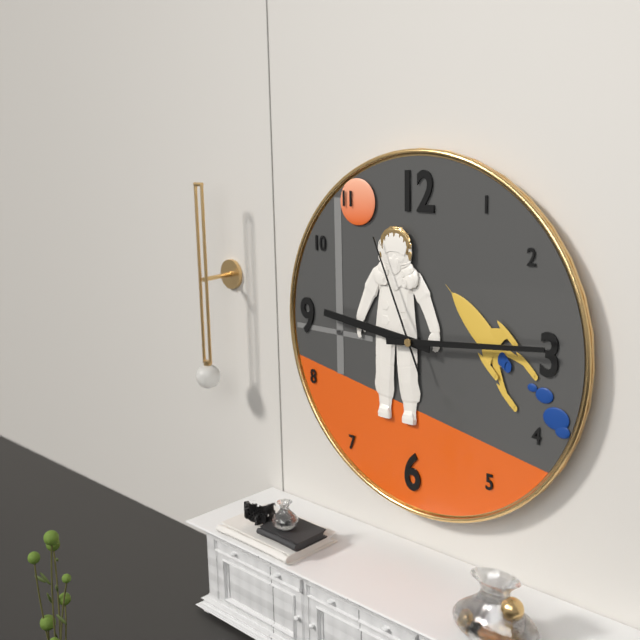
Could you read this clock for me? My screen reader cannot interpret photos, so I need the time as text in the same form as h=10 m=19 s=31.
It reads h=9 m=14 s=56
